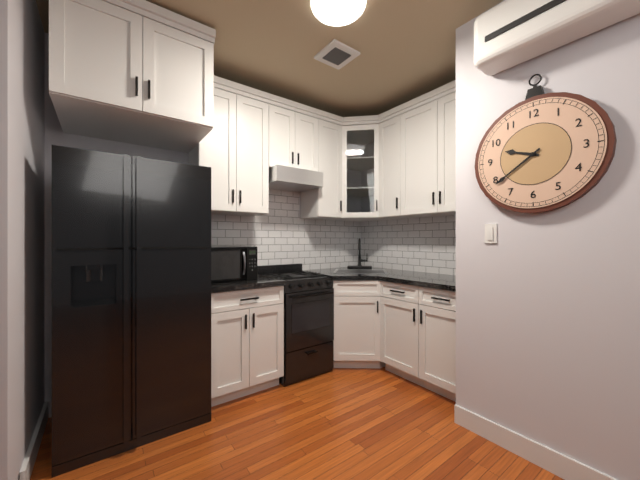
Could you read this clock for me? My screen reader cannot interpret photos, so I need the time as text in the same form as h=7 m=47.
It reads h=9 m=39
